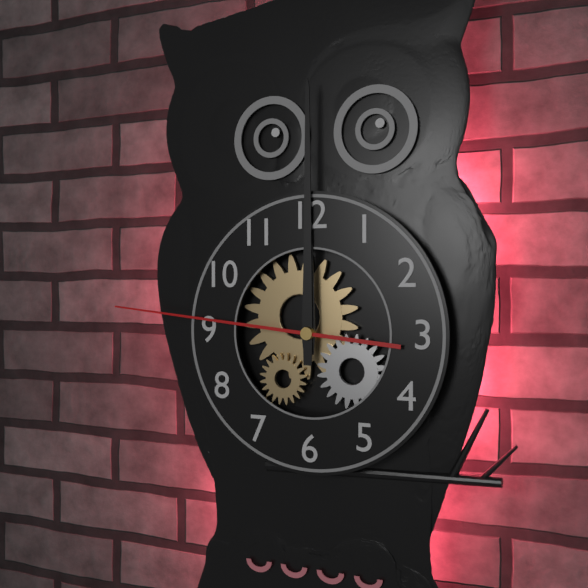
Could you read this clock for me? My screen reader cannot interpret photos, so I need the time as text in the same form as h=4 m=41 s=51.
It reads h=12 m=0 s=46
